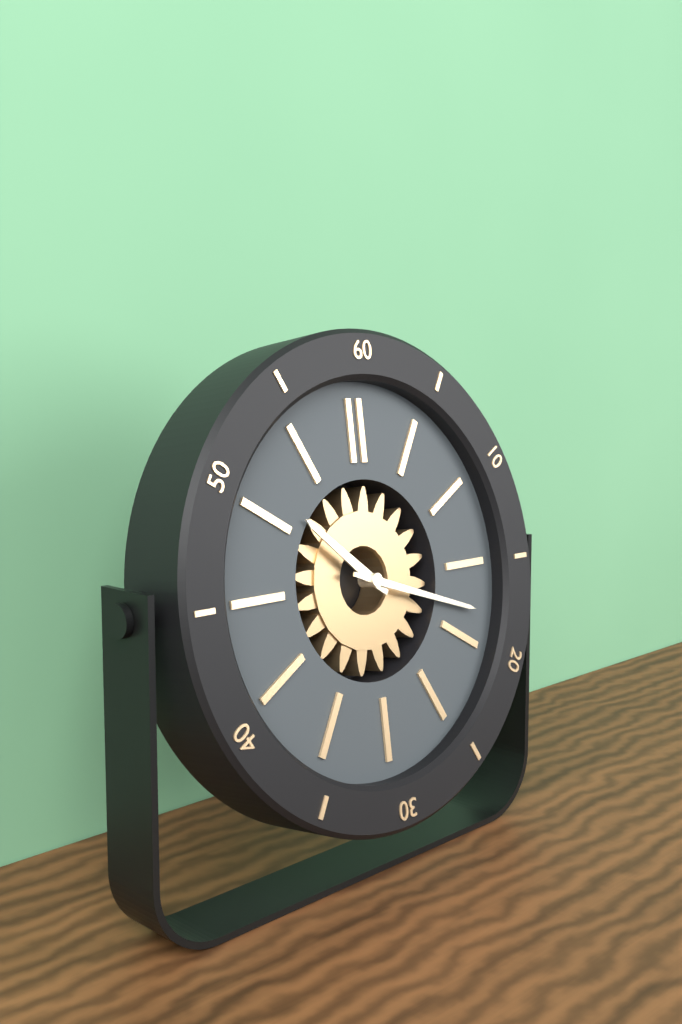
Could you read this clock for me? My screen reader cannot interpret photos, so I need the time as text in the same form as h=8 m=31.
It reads h=10 m=18
